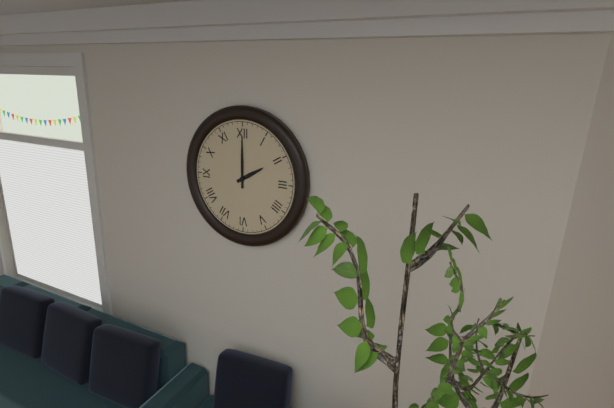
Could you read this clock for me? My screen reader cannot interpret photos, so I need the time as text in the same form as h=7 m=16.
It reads h=2 m=0
